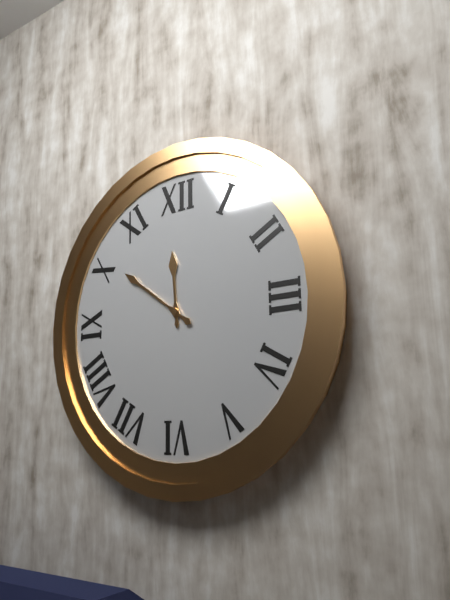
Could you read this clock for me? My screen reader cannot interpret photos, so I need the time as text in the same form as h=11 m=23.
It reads h=11 m=51
